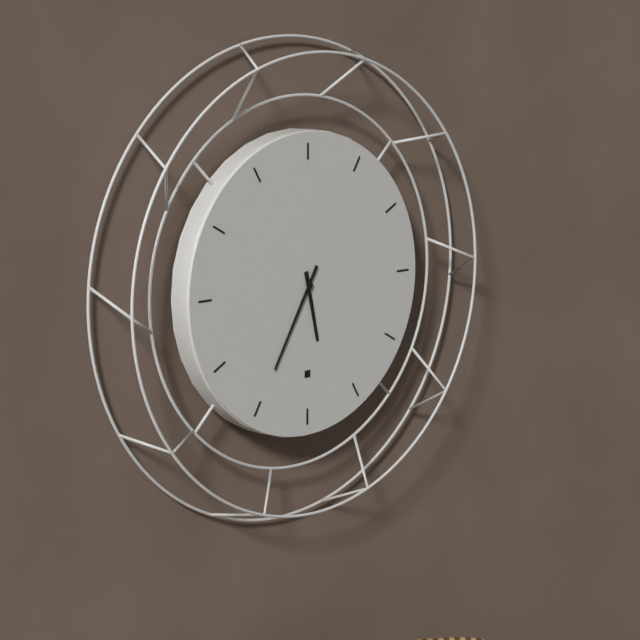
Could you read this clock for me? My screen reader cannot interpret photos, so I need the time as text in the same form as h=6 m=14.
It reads h=5 m=35
